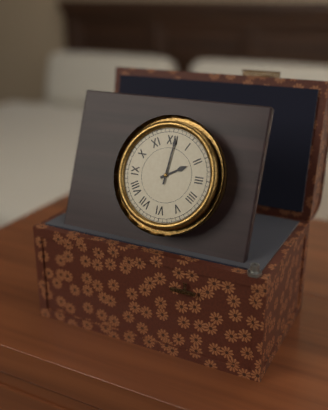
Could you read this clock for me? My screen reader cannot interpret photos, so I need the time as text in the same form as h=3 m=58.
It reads h=2 m=1
